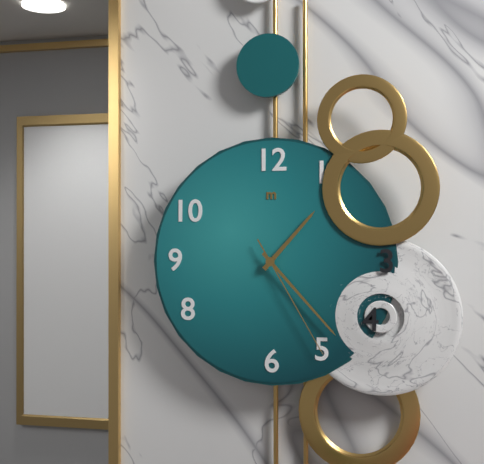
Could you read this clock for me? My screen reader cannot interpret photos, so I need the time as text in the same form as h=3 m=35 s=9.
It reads h=1 m=23 s=25
